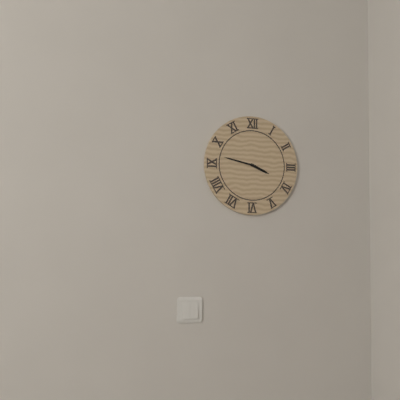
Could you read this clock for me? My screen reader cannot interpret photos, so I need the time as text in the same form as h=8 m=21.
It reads h=3 m=47
